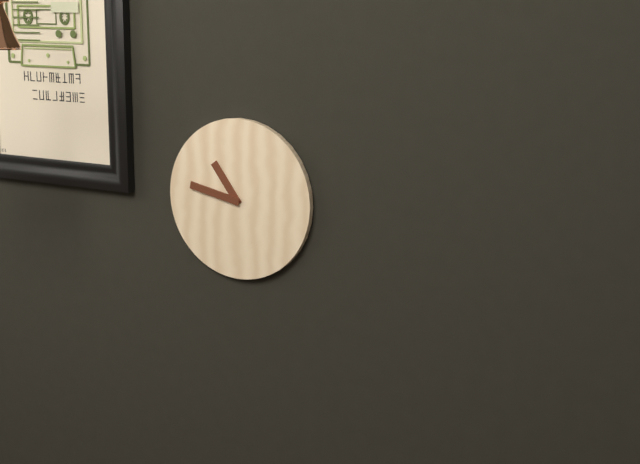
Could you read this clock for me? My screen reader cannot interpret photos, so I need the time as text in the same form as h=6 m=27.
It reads h=10 m=47
